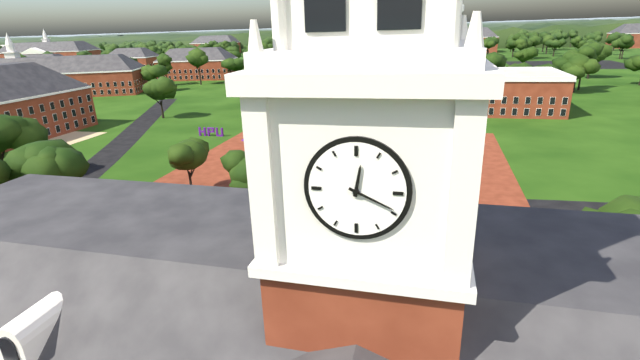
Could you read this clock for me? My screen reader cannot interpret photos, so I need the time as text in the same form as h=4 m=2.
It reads h=12 m=19
